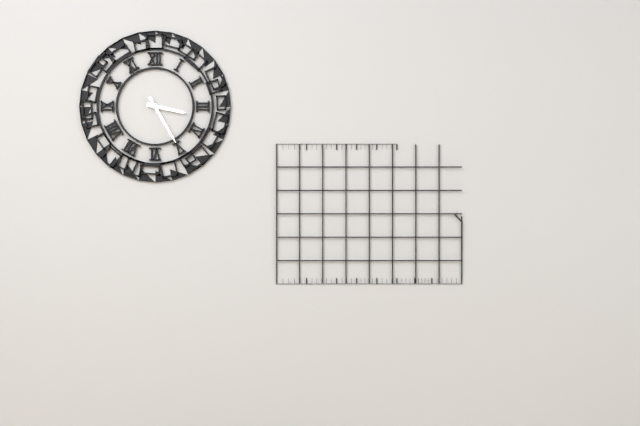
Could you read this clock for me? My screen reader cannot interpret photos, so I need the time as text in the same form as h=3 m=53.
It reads h=3 m=25
